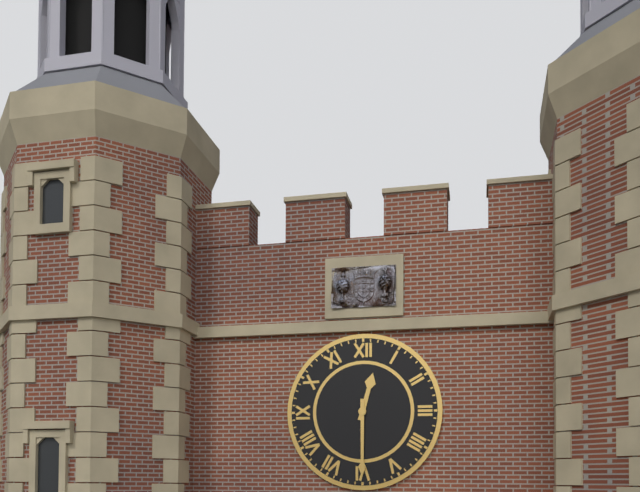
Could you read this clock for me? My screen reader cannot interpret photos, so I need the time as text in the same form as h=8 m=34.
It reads h=12 m=30
